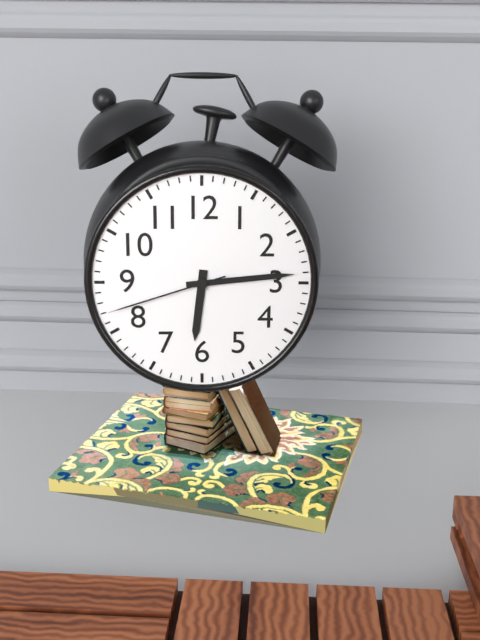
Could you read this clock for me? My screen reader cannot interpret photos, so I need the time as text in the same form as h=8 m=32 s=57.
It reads h=6 m=14 s=42
